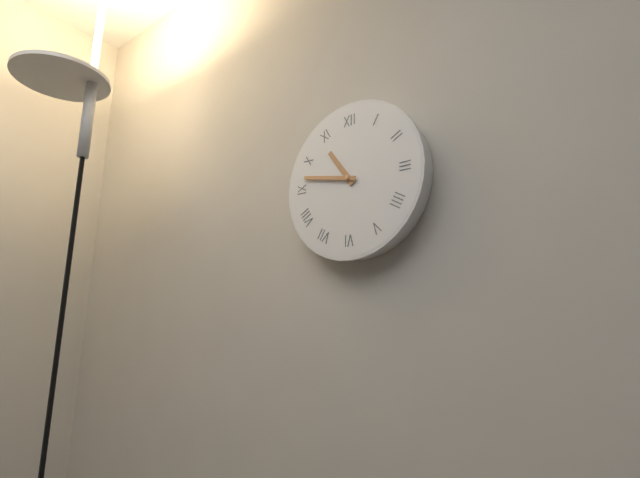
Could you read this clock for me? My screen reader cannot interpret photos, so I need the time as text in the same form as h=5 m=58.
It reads h=10 m=47
